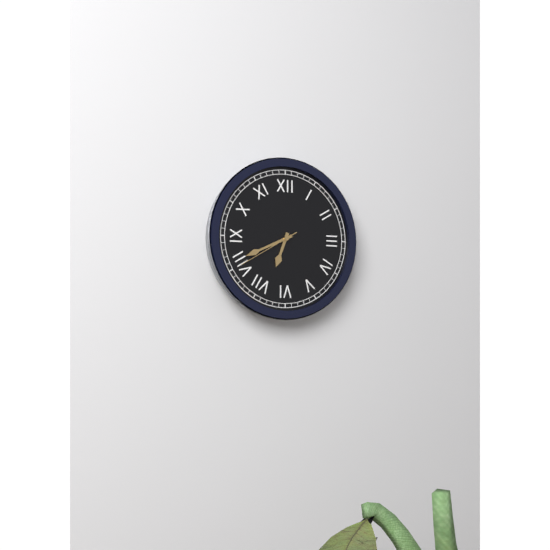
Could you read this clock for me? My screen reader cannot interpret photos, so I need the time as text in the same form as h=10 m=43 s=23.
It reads h=6 m=41 s=40
